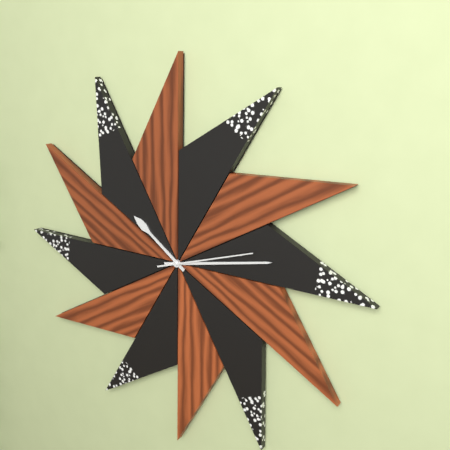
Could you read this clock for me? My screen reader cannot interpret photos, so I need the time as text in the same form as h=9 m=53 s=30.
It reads h=10 m=13 s=12
